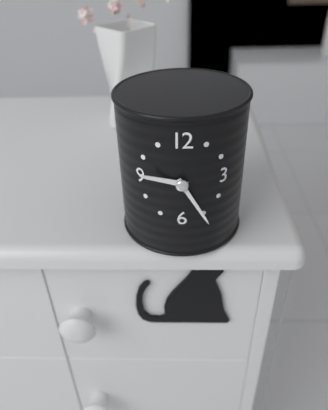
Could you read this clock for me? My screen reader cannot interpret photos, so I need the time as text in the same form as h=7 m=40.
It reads h=9 m=25
